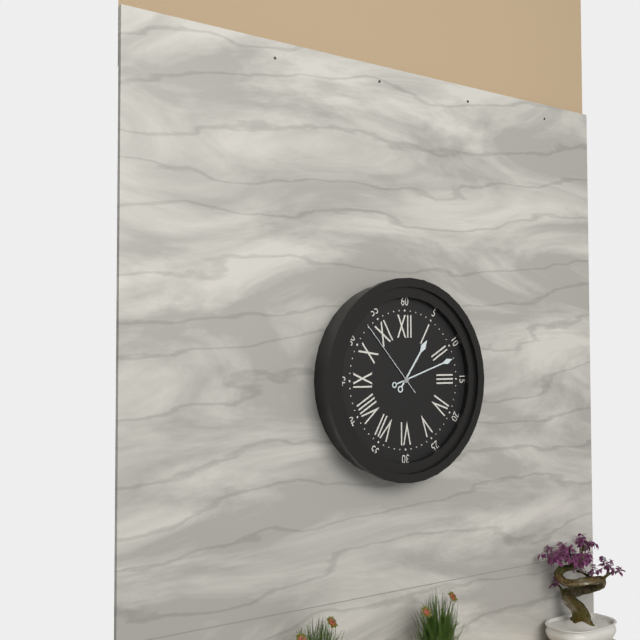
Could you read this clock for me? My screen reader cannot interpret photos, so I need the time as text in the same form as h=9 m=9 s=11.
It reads h=1 m=12 s=53
